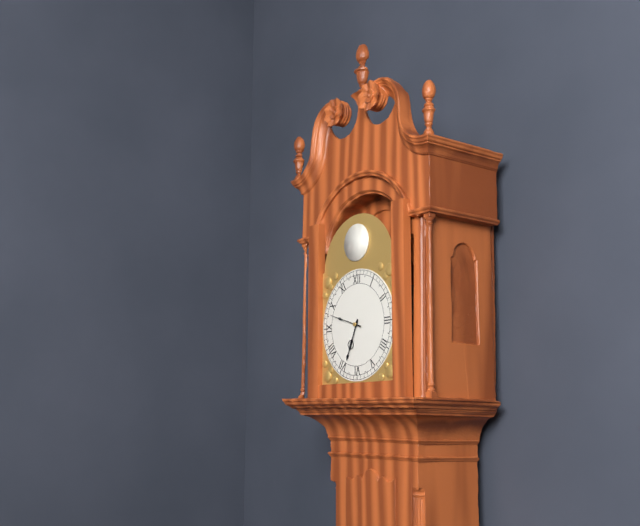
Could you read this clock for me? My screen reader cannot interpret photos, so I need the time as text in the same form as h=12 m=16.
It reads h=6 m=48
